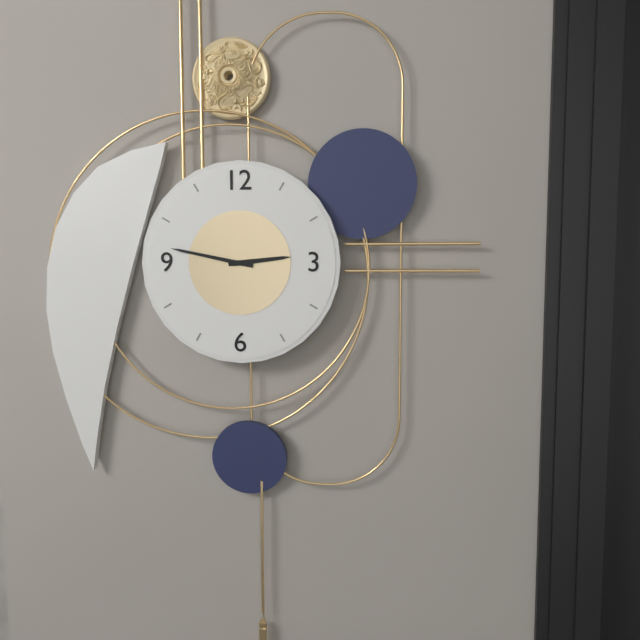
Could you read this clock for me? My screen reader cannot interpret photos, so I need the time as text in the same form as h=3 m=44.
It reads h=2 m=47
